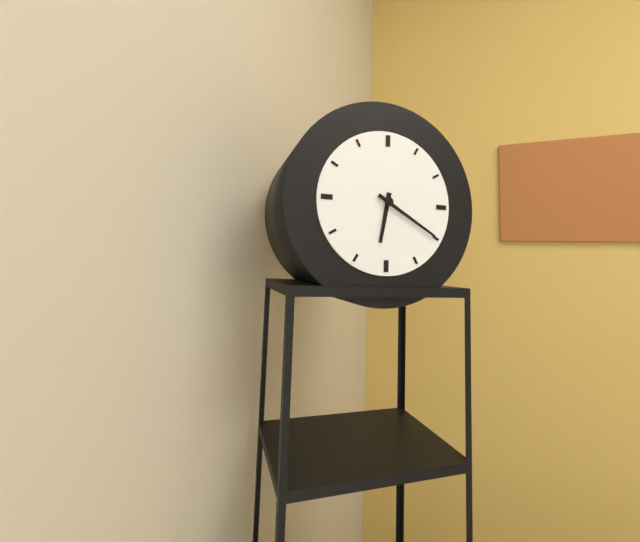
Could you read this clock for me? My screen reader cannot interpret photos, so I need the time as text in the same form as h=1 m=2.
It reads h=6 m=20
